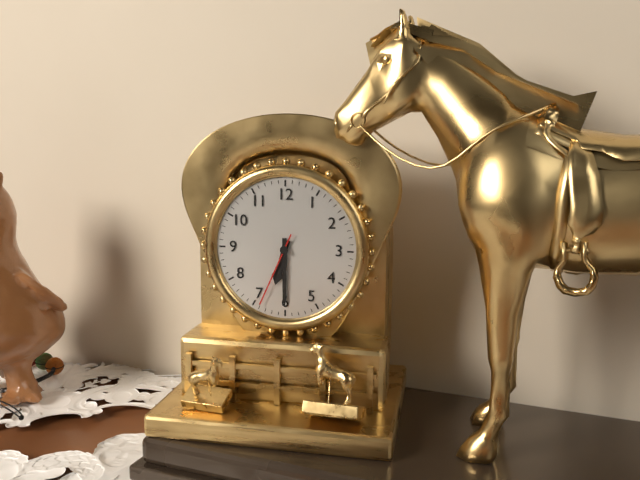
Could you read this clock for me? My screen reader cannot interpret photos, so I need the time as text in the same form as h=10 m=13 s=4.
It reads h=6 m=30 s=34
